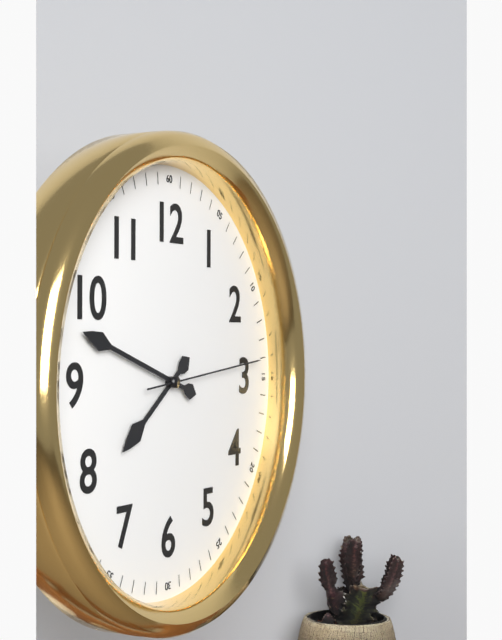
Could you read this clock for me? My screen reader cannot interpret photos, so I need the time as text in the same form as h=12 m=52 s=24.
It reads h=7 m=48 s=14
